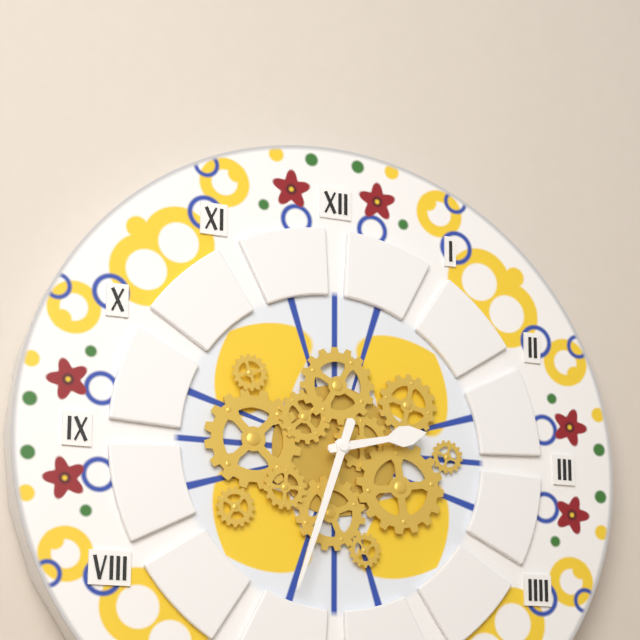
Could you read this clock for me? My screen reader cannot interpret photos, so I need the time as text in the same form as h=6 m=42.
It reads h=2 m=33
